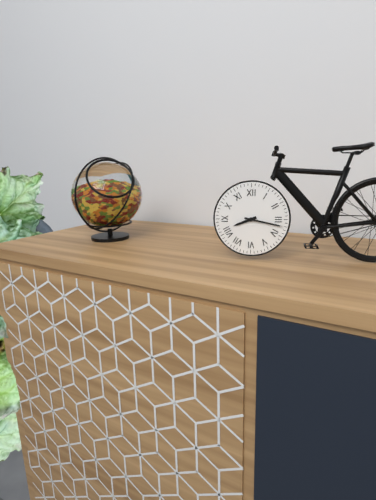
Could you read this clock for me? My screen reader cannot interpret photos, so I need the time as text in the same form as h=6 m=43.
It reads h=8 m=17
